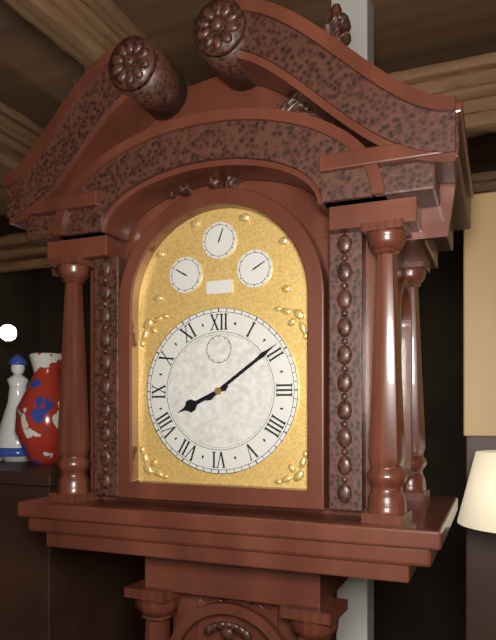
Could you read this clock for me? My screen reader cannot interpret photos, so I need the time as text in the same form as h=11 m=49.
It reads h=8 m=9
